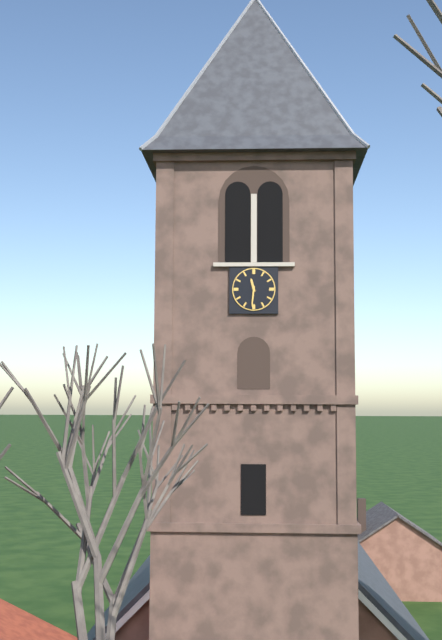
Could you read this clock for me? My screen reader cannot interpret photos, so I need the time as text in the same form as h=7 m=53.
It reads h=11 m=31
